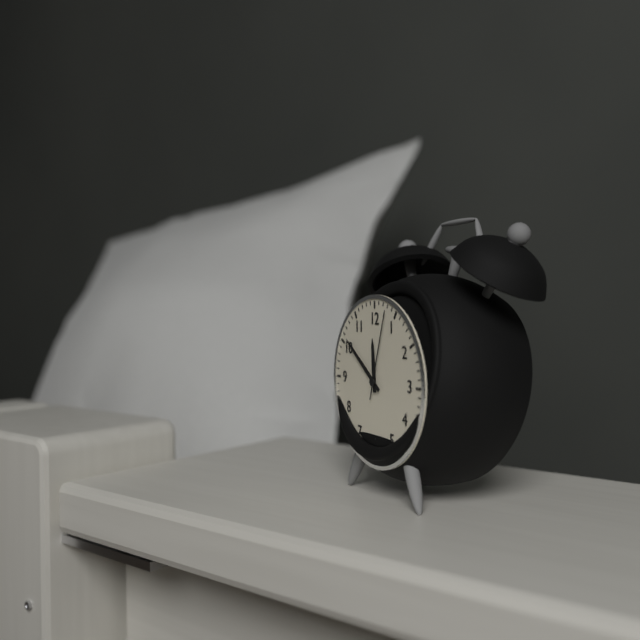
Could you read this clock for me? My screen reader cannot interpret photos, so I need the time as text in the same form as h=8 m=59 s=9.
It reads h=11 m=51 s=3
